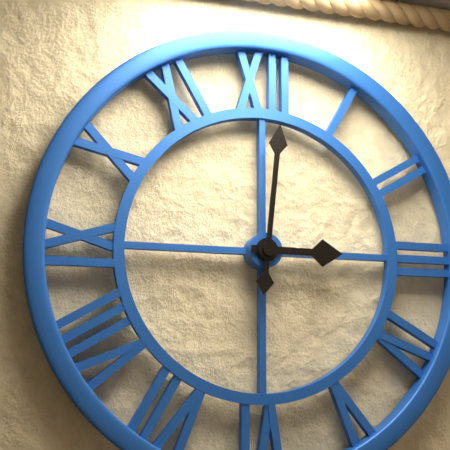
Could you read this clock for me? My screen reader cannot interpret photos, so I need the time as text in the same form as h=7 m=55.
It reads h=3 m=1
